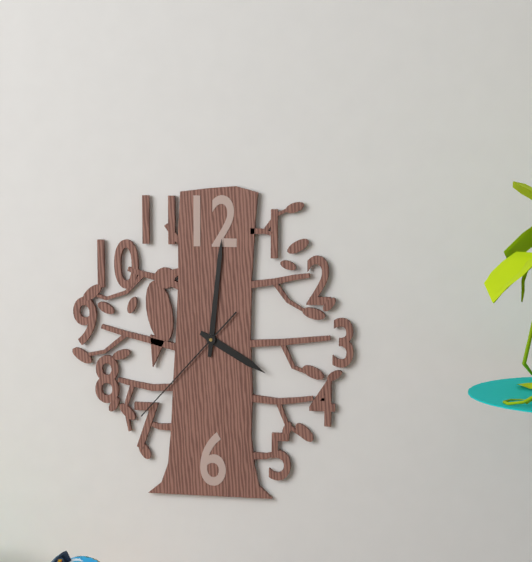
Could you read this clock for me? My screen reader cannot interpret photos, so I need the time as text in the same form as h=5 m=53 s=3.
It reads h=4 m=1 s=37
